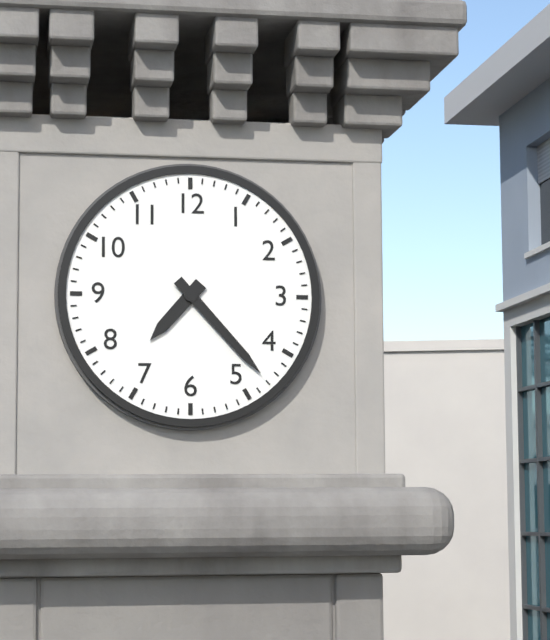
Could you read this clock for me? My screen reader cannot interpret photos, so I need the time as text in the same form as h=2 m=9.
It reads h=7 m=23
